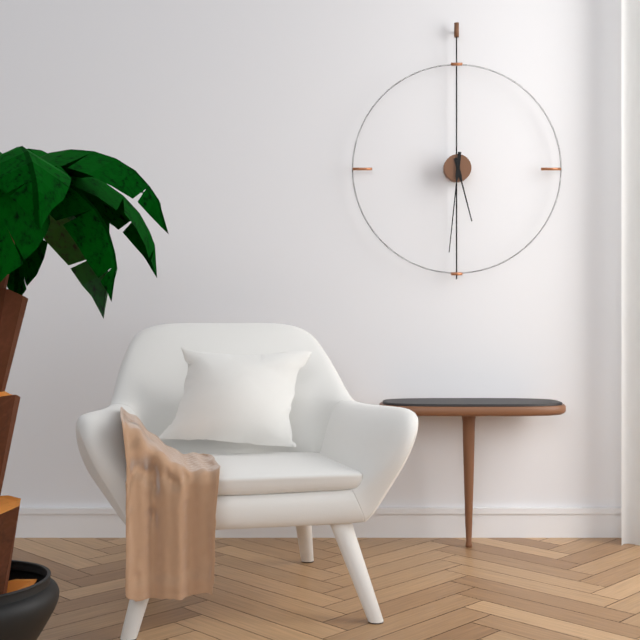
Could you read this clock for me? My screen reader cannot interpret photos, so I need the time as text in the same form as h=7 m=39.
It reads h=5 m=31
